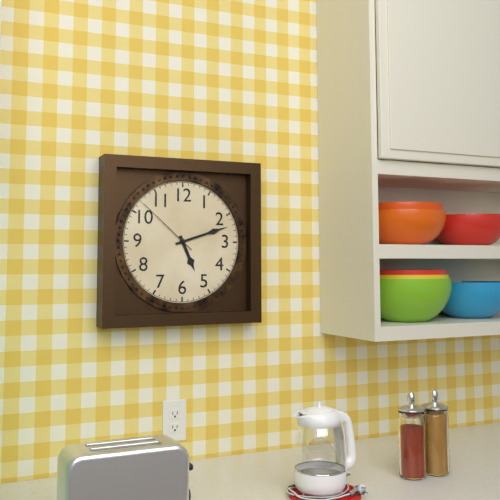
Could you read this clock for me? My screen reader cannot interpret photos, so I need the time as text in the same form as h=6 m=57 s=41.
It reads h=5 m=12 s=52
